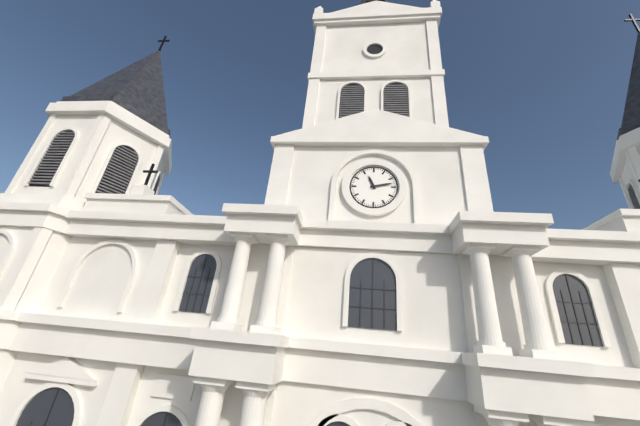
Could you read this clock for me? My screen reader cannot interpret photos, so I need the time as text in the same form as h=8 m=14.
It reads h=11 m=13
